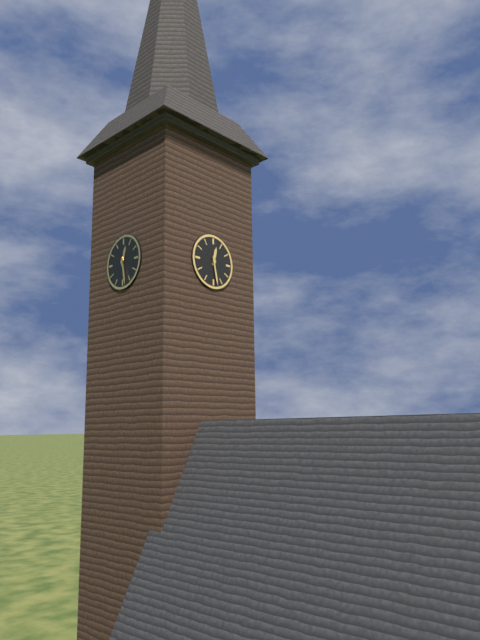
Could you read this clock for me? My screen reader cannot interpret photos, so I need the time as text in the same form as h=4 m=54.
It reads h=12 m=28
